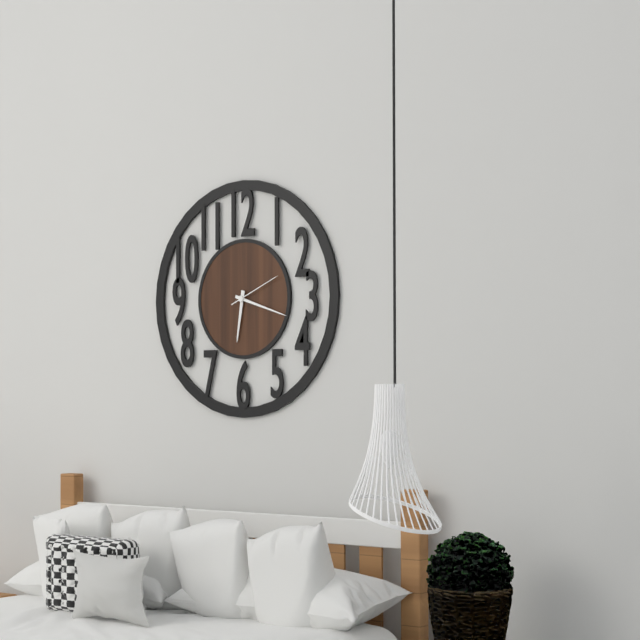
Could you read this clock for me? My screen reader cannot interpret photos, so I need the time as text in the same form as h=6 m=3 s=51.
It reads h=6 m=18 s=11
